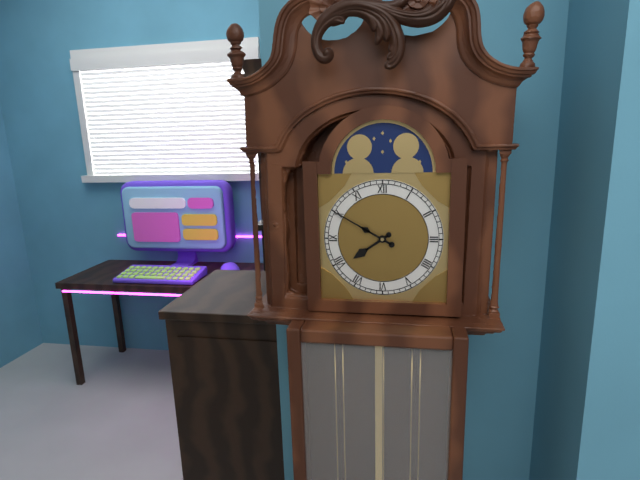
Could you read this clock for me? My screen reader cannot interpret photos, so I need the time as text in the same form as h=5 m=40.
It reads h=7 m=50
